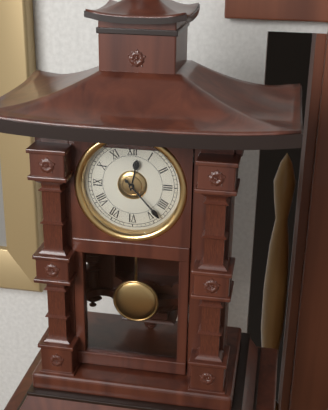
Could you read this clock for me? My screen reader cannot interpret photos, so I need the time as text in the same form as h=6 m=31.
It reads h=12 m=23
